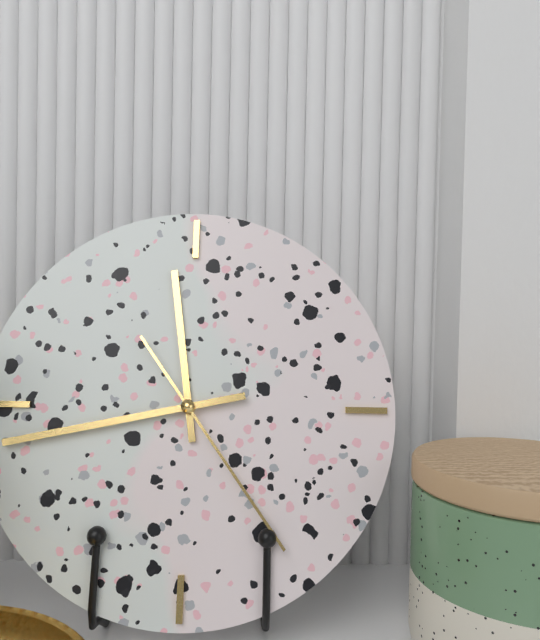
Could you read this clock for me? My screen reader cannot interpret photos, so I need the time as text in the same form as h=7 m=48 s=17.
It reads h=11 m=43 s=24
